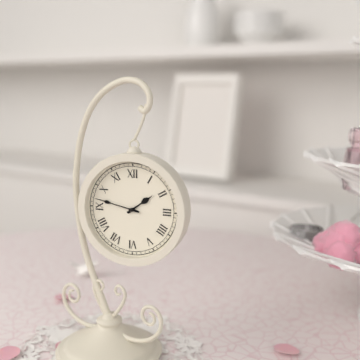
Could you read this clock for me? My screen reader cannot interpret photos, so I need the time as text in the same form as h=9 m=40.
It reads h=1 m=47
